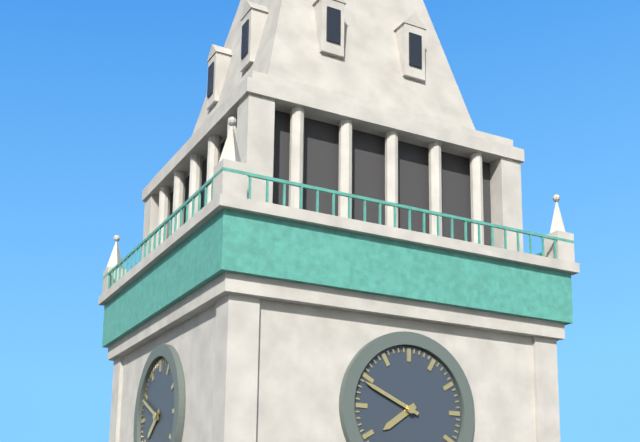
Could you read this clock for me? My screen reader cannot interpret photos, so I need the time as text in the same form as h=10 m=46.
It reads h=7 m=49
